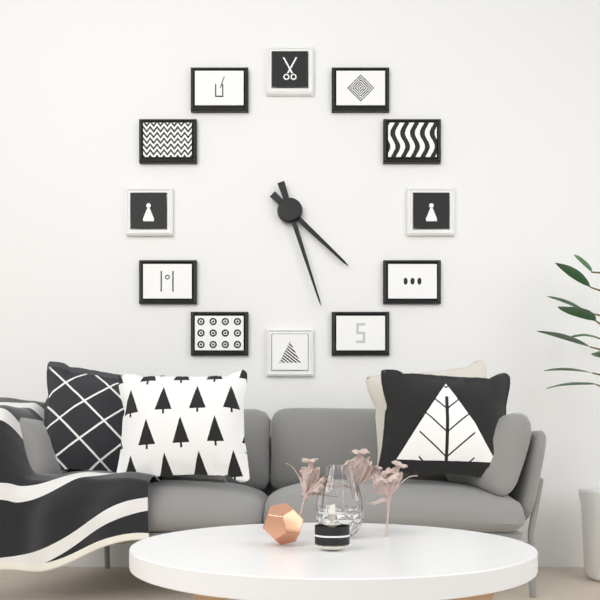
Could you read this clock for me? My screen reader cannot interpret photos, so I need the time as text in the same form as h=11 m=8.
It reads h=4 m=27
